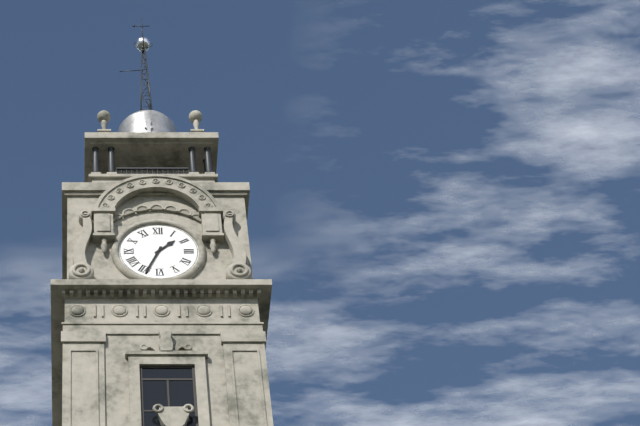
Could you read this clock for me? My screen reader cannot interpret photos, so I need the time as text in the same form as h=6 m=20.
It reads h=1 m=34
